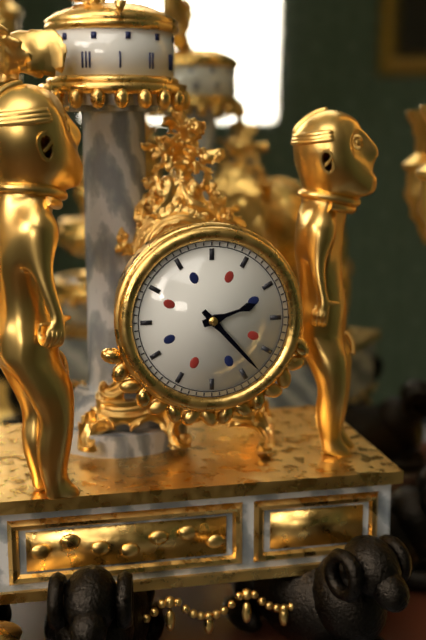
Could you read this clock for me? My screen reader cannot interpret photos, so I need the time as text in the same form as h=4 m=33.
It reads h=2 m=23
